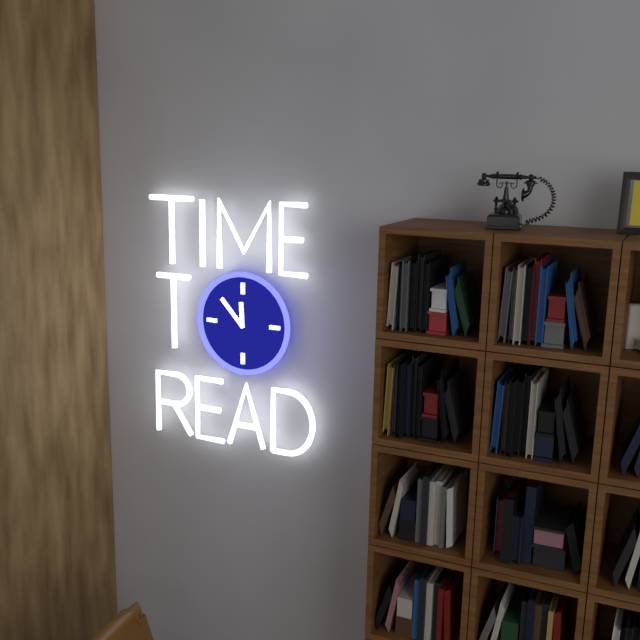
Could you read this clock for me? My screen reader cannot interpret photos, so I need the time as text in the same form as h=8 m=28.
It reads h=11 m=53
